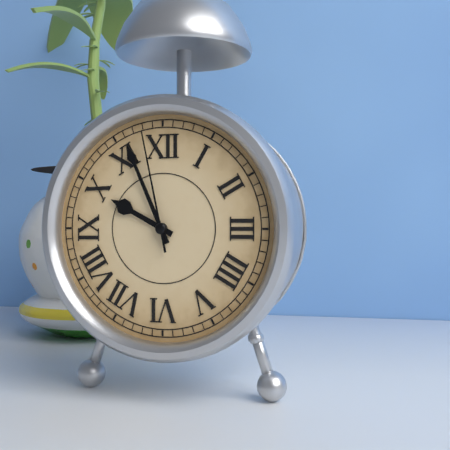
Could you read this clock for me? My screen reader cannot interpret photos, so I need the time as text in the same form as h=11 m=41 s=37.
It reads h=9 m=56 s=58
